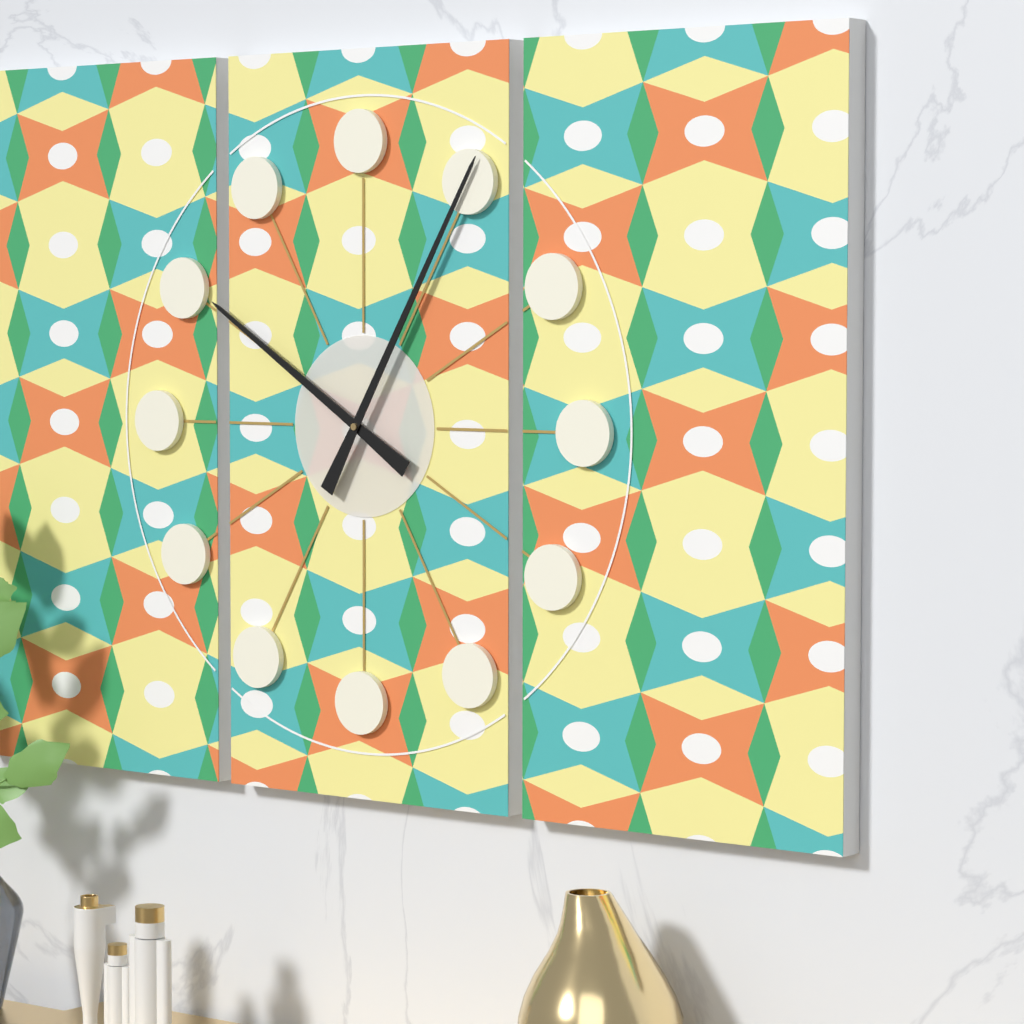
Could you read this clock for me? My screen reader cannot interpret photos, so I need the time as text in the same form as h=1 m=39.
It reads h=10 m=5
